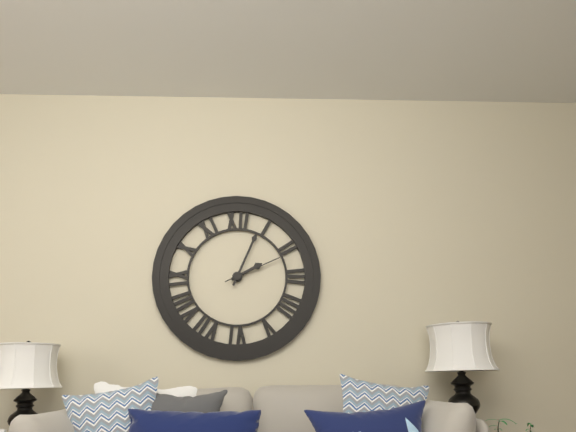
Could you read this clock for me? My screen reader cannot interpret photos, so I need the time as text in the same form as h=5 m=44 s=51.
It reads h=2 m=4 s=11
